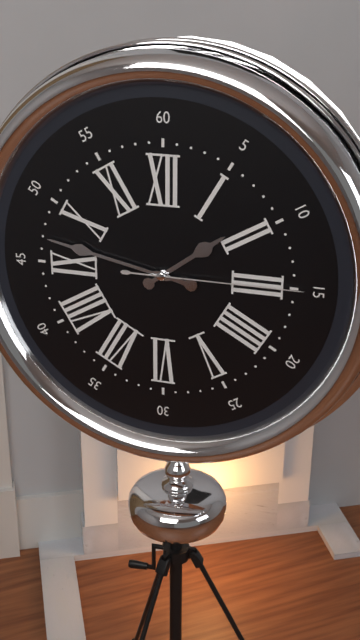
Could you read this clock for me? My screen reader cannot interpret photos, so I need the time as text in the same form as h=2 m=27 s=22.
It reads h=1 m=47 s=15
